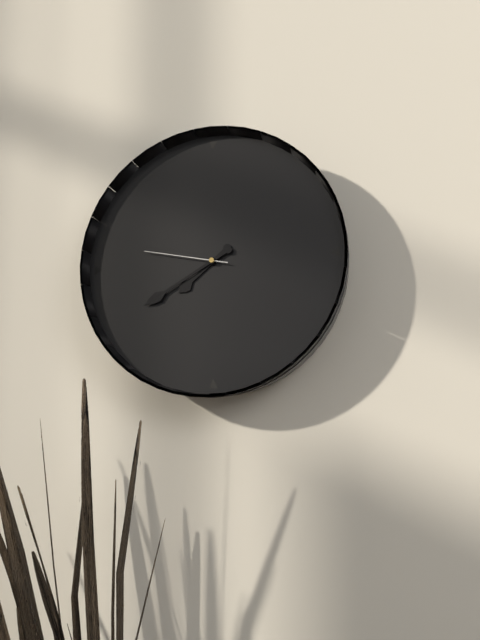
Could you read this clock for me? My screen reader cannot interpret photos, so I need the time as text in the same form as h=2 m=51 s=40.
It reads h=7 m=40 s=47
